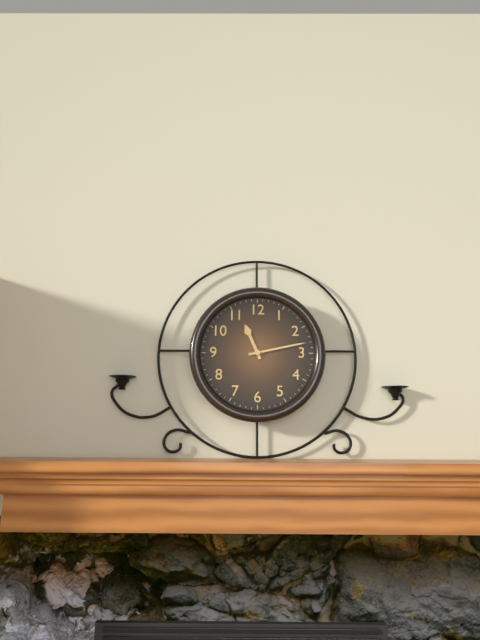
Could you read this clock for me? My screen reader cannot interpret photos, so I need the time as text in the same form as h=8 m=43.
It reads h=11 m=13
